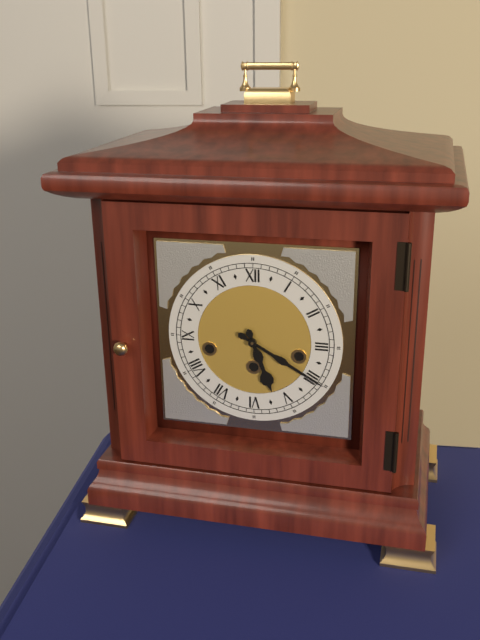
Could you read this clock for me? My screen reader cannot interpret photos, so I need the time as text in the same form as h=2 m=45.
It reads h=5 m=20
